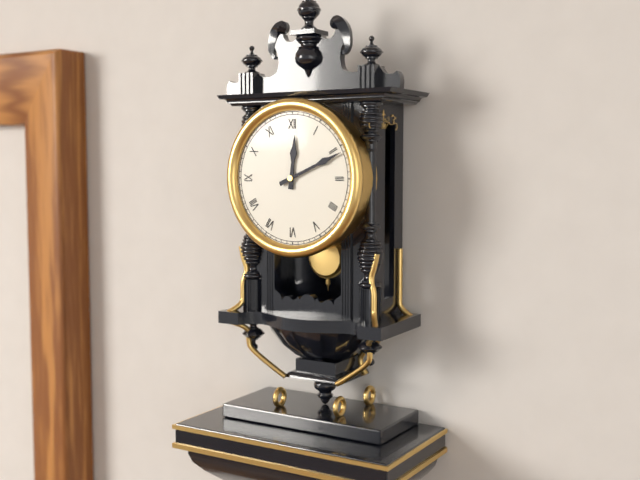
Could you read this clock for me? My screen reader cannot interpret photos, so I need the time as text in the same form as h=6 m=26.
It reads h=12 m=11
